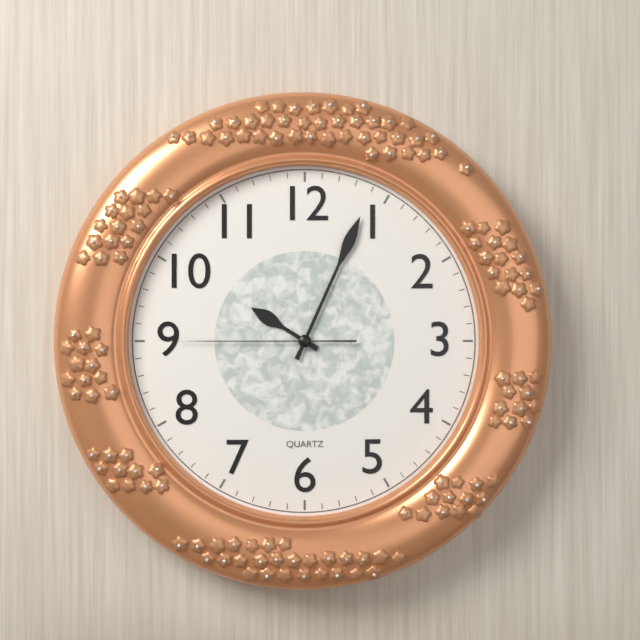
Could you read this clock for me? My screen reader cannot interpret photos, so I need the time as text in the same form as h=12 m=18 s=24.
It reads h=10 m=4 s=45
